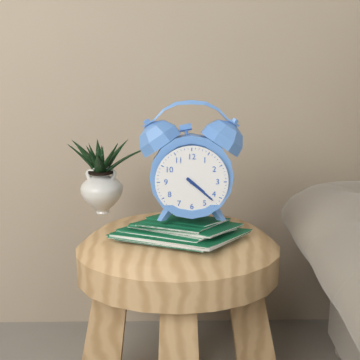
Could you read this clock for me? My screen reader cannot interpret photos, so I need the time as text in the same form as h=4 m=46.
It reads h=4 m=22
